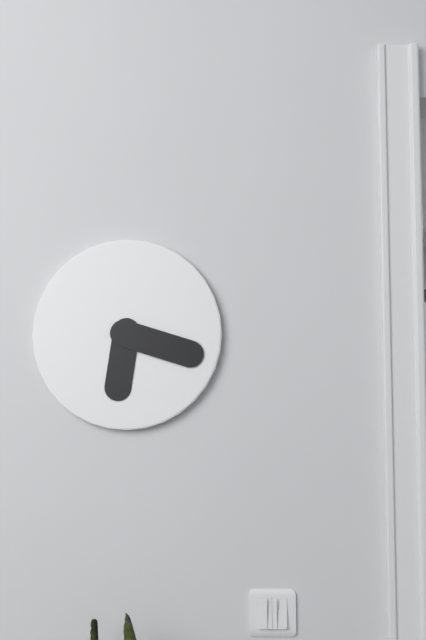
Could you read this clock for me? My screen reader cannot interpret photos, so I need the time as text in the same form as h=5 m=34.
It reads h=6 m=18
